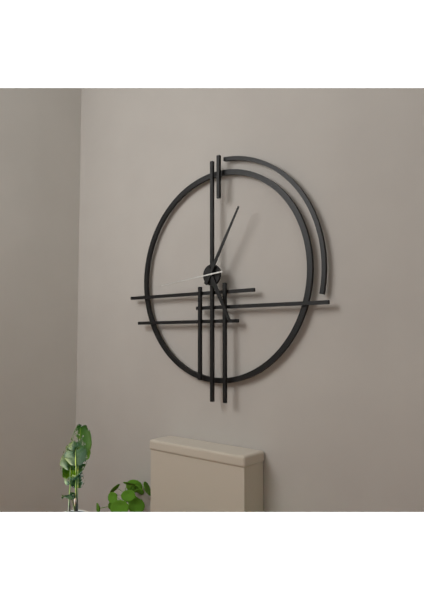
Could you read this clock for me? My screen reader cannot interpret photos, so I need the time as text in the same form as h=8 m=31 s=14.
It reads h=5 m=5 s=44
